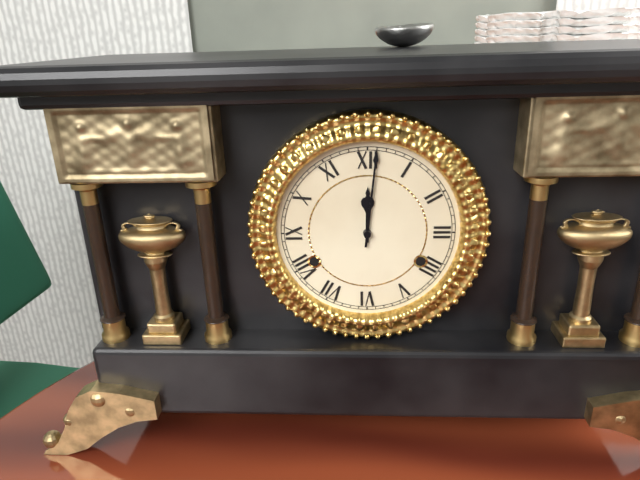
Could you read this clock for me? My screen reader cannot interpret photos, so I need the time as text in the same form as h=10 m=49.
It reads h=12 m=1
